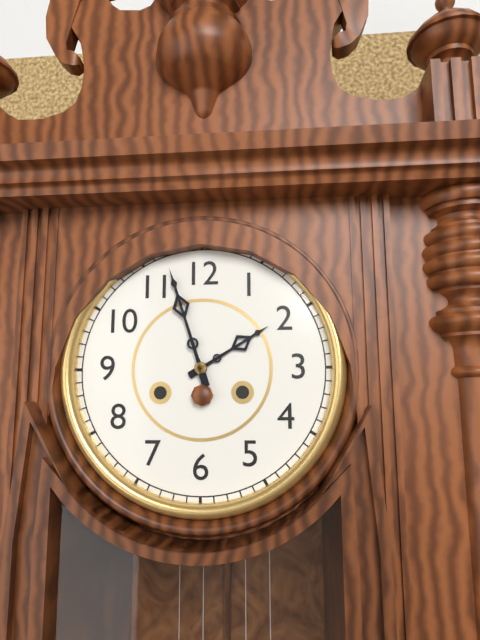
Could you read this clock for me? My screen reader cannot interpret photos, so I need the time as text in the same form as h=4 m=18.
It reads h=1 m=57
